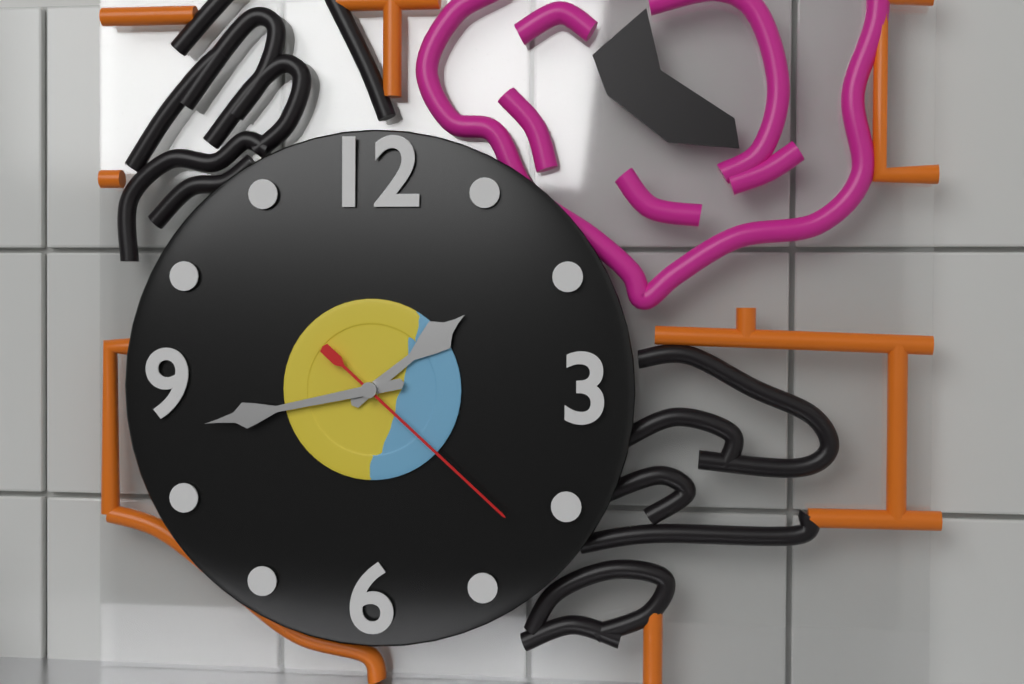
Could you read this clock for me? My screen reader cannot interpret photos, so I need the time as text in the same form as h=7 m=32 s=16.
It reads h=1 m=43 s=22
